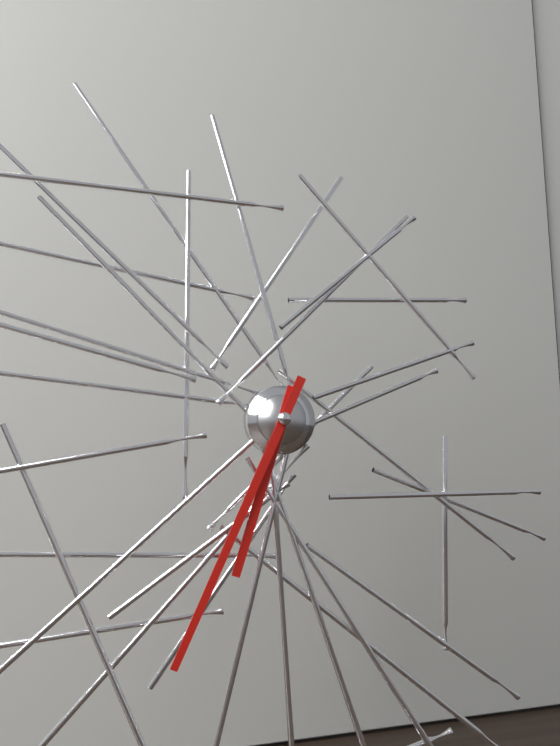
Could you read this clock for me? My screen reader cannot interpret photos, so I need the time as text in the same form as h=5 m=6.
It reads h=6 m=34
